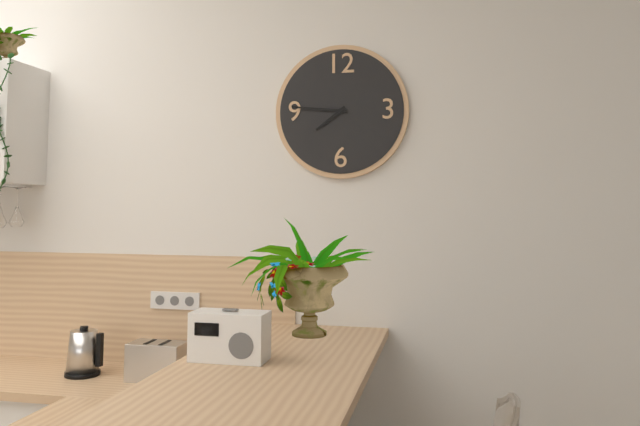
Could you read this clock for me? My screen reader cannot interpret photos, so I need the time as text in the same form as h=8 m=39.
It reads h=7 m=46
